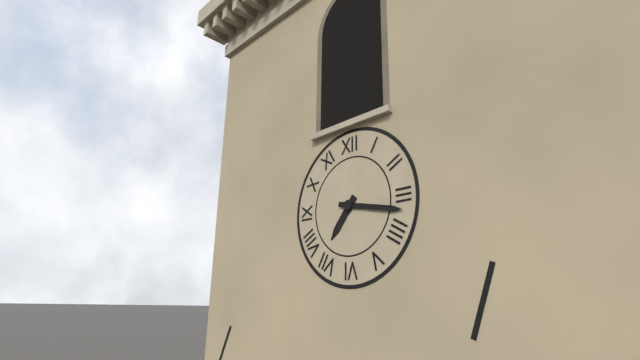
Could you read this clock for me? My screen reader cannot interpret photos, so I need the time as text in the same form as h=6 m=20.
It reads h=7 m=17
